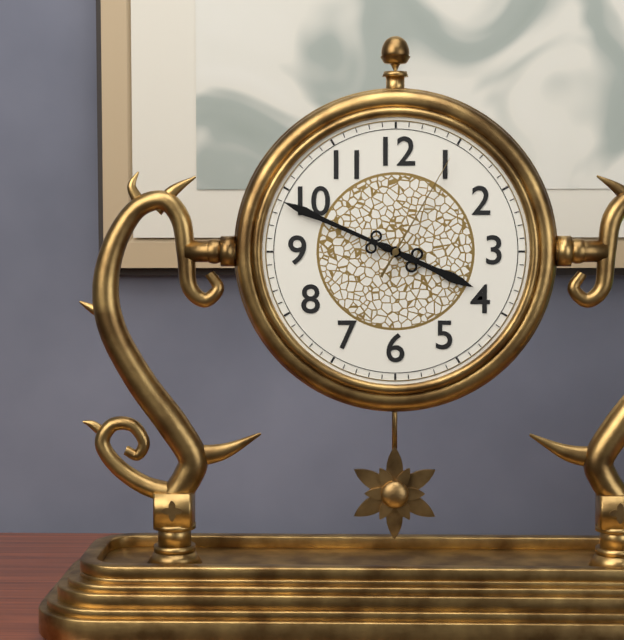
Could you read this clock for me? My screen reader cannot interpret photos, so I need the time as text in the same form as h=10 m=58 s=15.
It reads h=3 m=49 s=5
